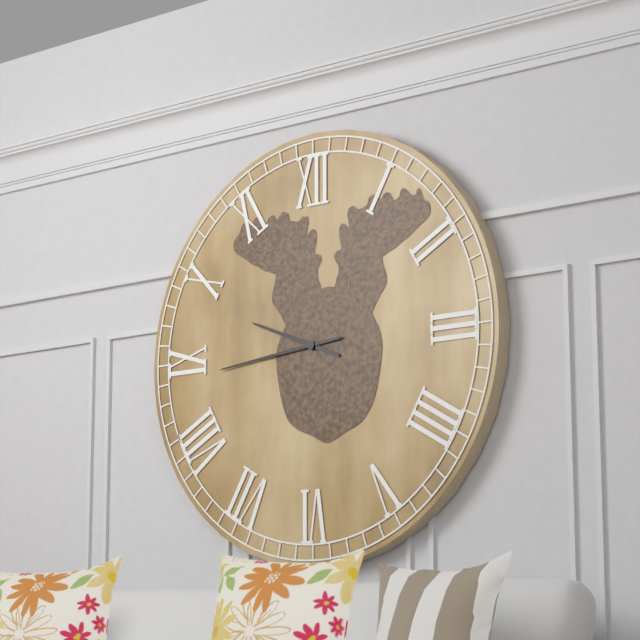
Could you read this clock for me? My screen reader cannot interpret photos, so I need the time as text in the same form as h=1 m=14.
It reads h=9 m=44
